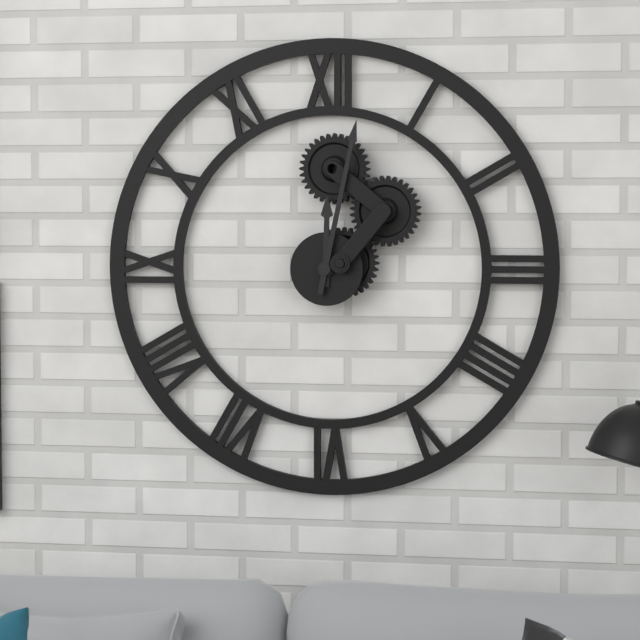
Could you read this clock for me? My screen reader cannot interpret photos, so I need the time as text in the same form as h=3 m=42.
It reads h=12 m=2
